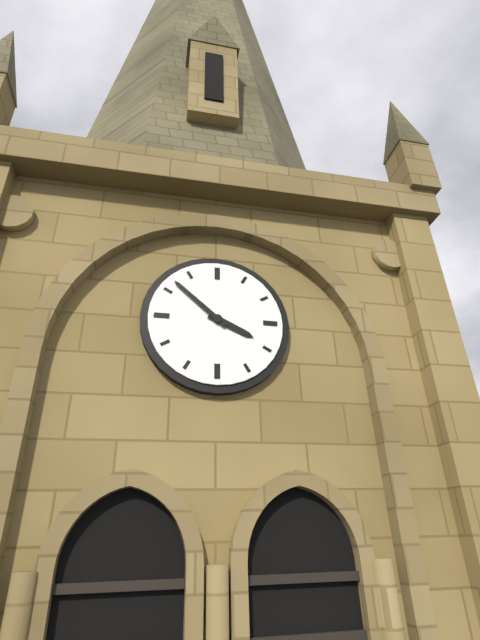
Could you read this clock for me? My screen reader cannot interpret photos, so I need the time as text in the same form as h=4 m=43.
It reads h=3 m=52
